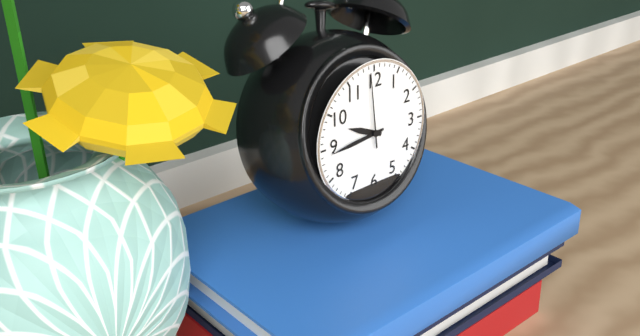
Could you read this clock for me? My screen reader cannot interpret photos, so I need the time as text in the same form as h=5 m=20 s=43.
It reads h=9 m=44 s=59
